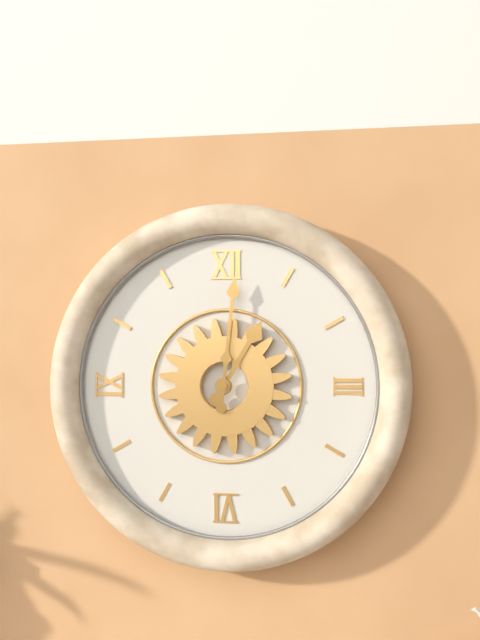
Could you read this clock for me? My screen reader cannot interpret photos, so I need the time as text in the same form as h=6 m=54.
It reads h=1 m=1
